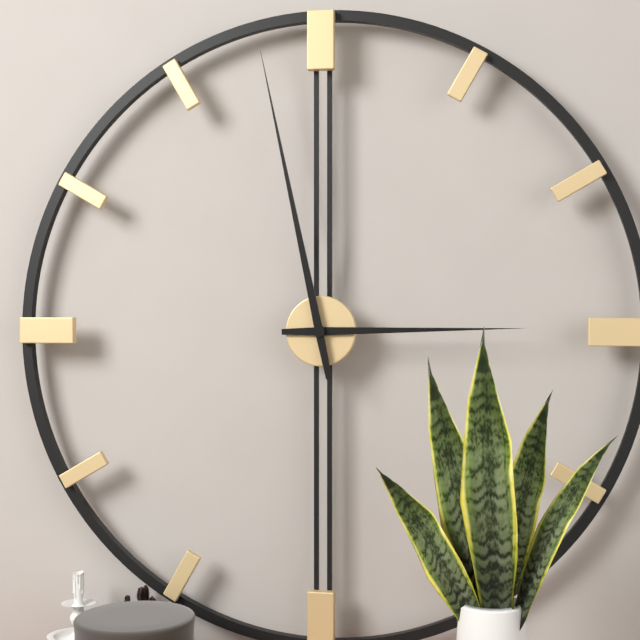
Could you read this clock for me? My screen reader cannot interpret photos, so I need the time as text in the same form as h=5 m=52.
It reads h=2 m=58
